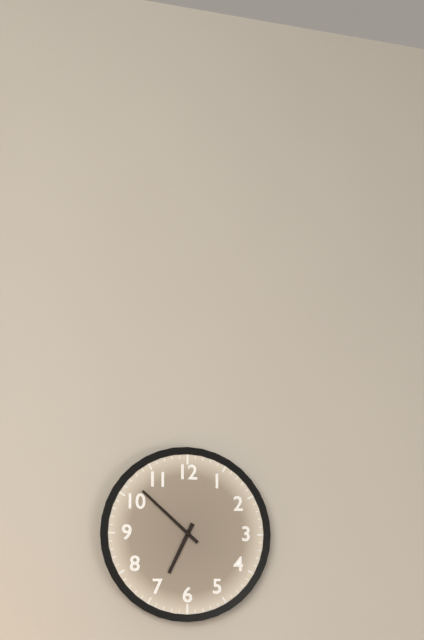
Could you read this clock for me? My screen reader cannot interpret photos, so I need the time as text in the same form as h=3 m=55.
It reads h=6 m=52
